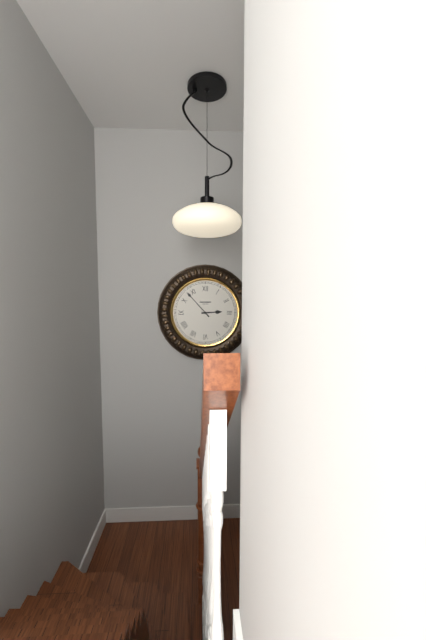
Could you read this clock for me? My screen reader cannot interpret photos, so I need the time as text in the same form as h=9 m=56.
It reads h=2 m=53
